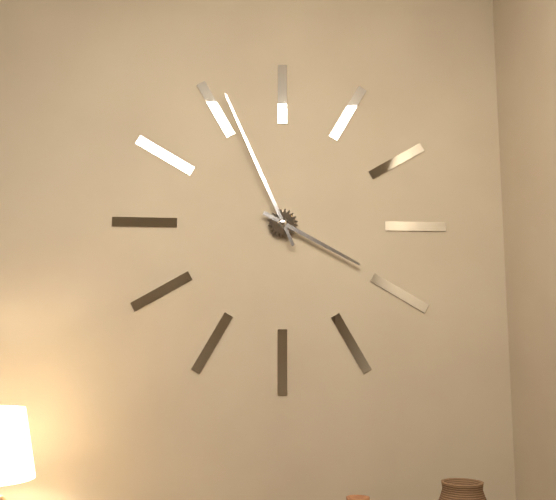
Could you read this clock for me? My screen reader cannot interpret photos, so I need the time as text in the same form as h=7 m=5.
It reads h=3 m=56
